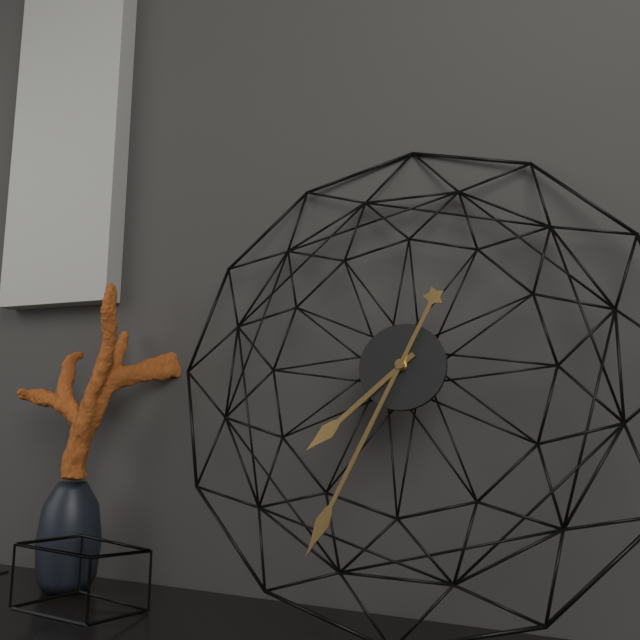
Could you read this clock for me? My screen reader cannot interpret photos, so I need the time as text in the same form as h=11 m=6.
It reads h=7 m=34
